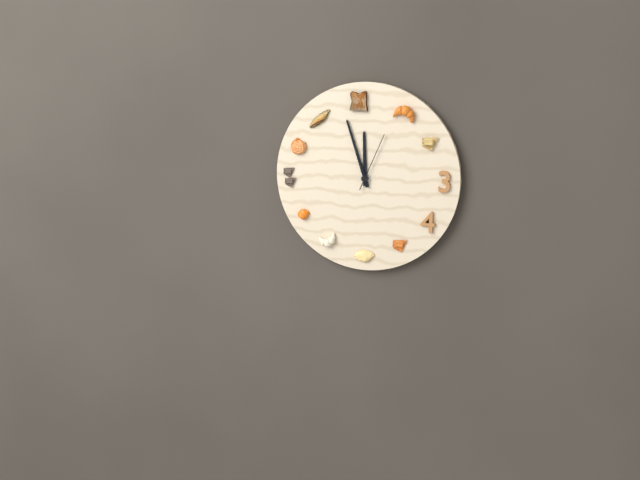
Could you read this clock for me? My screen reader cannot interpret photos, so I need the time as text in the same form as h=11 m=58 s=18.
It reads h=11 m=57 s=4
